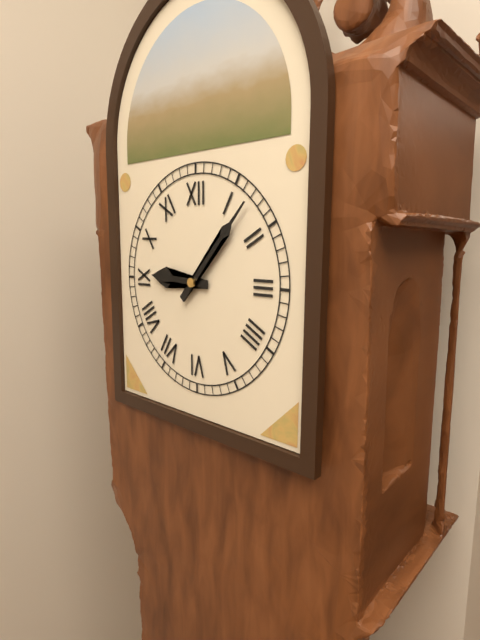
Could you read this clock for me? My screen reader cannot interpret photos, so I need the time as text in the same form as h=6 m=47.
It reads h=9 m=7
